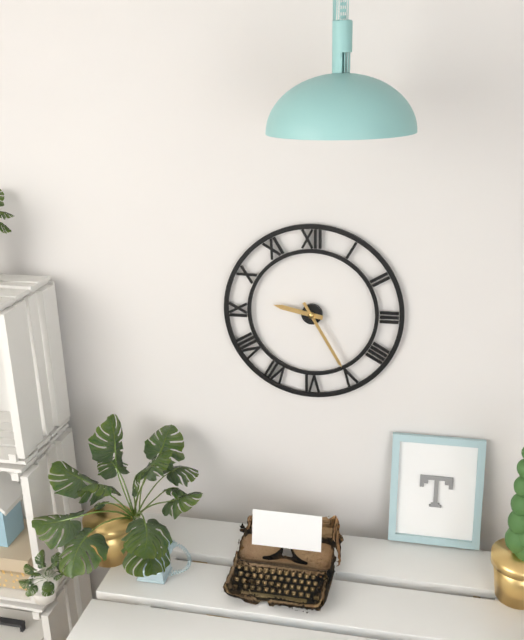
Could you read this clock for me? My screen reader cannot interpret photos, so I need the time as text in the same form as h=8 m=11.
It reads h=9 m=25
